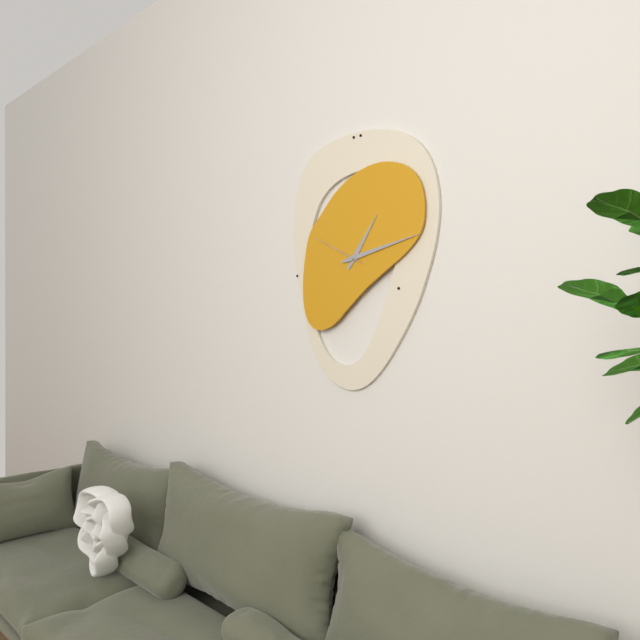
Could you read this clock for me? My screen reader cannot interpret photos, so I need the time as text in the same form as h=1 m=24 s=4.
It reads h=1 m=13 s=49
